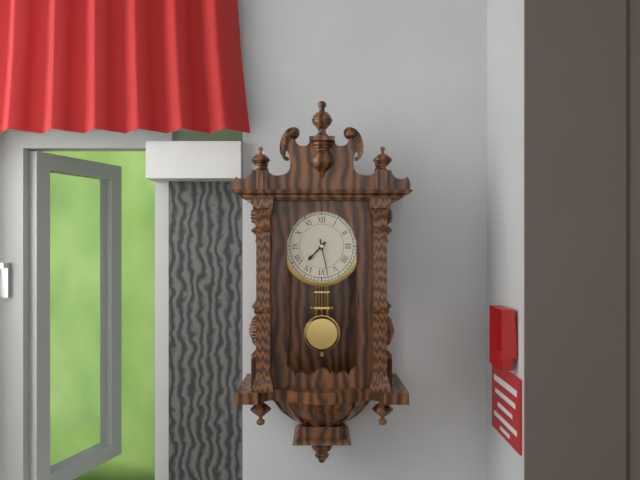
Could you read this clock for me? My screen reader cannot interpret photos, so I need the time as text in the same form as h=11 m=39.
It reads h=7 m=28
